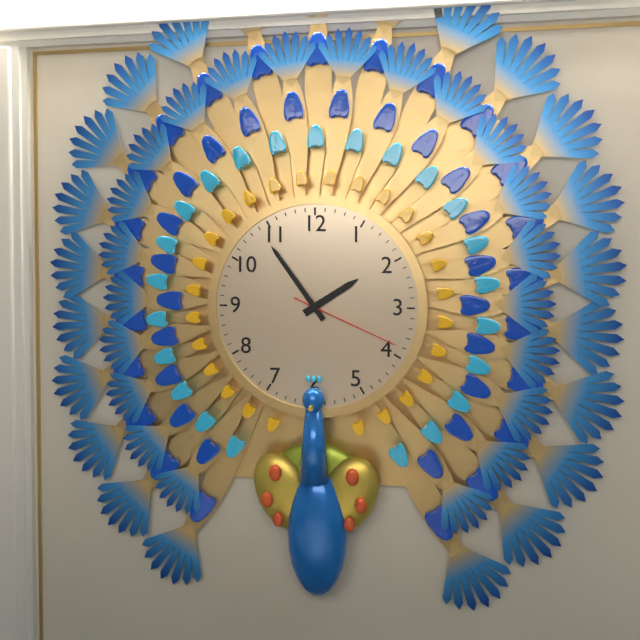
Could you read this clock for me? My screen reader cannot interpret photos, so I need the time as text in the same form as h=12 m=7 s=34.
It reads h=1 m=54 s=19
